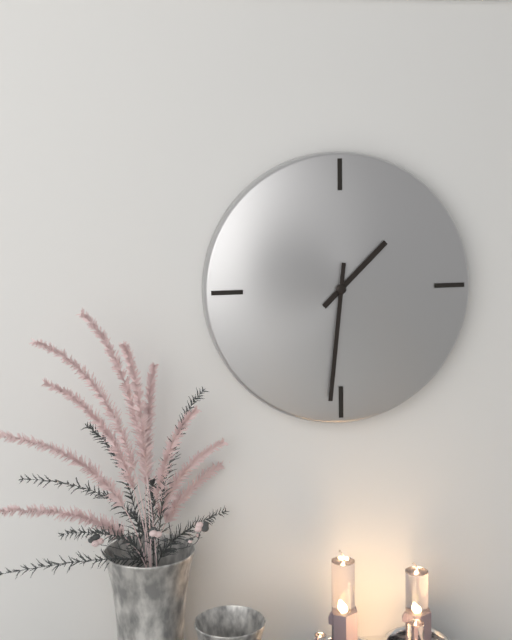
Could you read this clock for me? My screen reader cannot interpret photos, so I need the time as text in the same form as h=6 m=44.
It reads h=1 m=31
